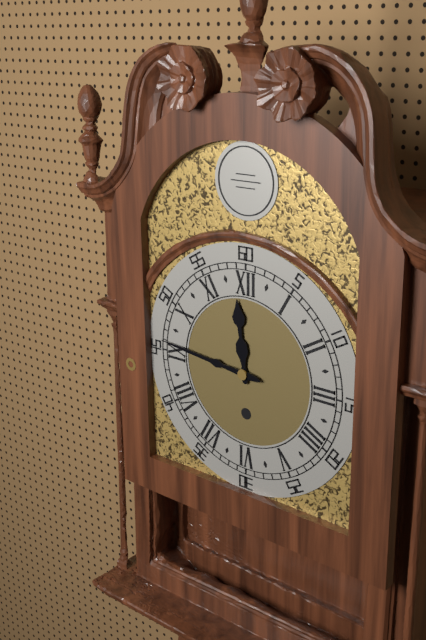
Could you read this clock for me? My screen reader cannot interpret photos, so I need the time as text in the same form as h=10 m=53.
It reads h=11 m=46
